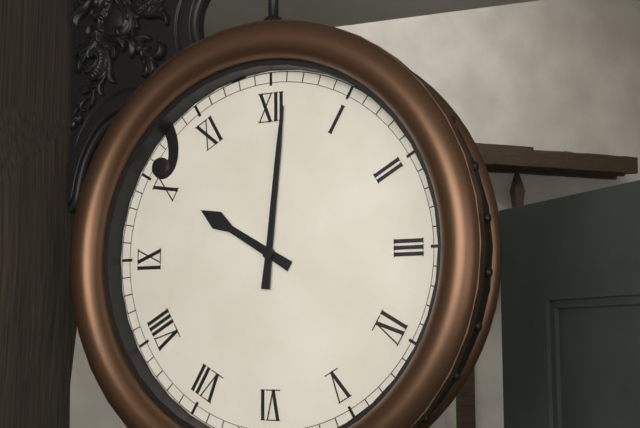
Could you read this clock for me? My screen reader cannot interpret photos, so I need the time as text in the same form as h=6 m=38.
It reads h=10 m=1
